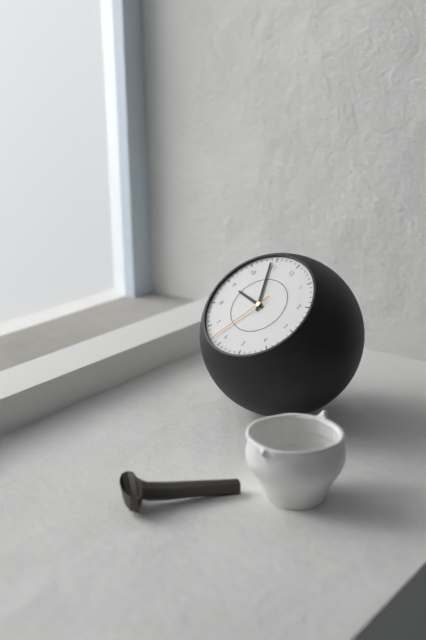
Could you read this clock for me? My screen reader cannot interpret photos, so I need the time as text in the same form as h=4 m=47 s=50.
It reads h=8 m=54 s=32
